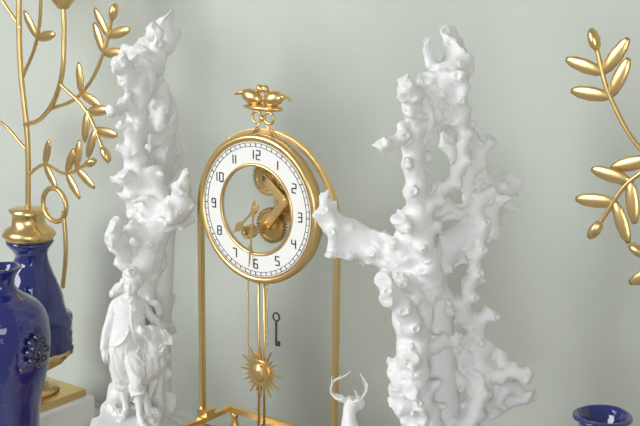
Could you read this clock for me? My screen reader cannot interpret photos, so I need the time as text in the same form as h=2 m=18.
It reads h=7 m=31
